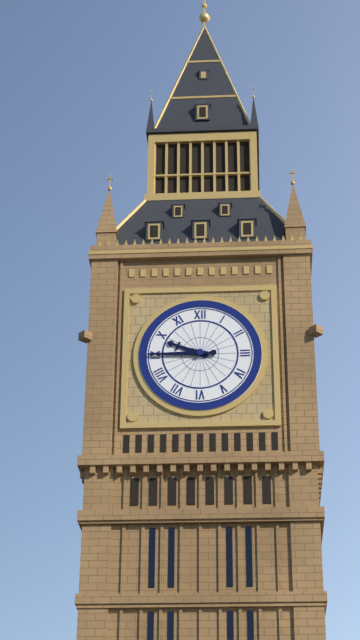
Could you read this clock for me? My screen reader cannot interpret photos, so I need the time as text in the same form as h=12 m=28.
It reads h=9 m=45
